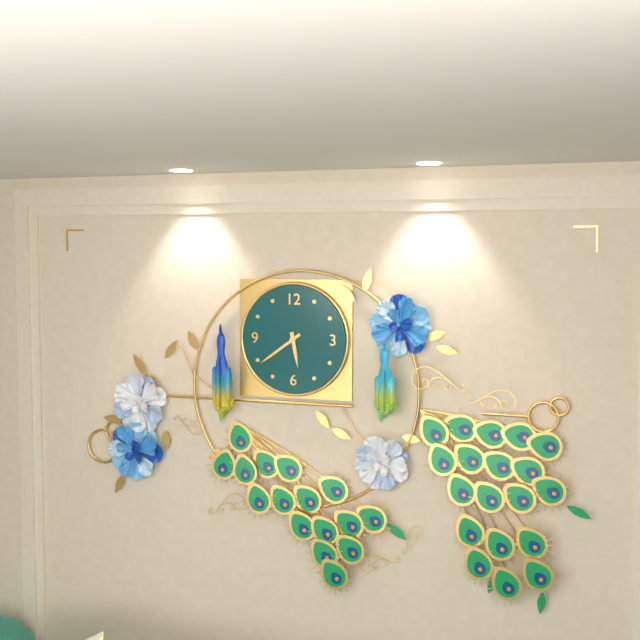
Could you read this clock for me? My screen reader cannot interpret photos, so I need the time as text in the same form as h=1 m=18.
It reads h=5 m=39
